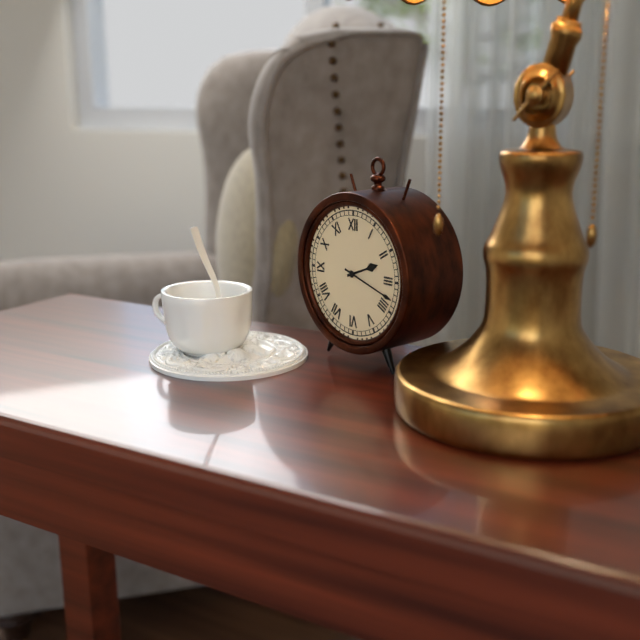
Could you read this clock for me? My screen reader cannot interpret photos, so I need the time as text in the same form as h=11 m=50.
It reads h=2 m=18
